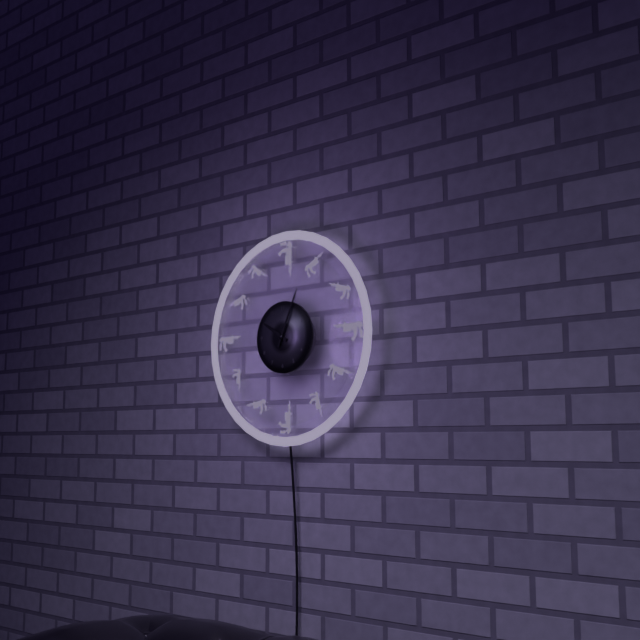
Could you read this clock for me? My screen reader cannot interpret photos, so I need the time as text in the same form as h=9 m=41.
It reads h=10 m=4
